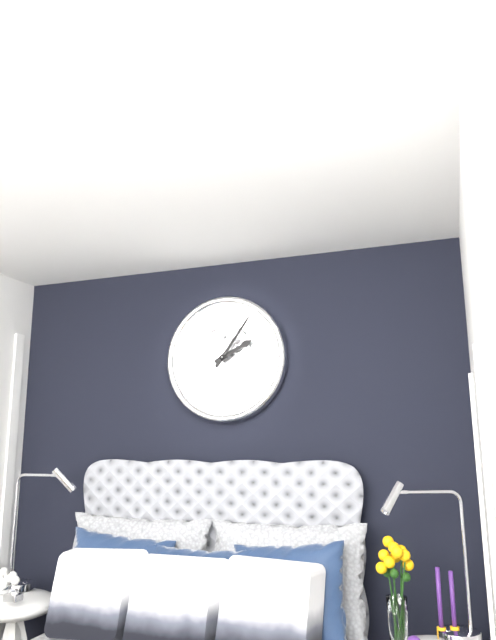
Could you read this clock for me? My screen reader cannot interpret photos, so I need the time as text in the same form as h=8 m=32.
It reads h=2 m=6
